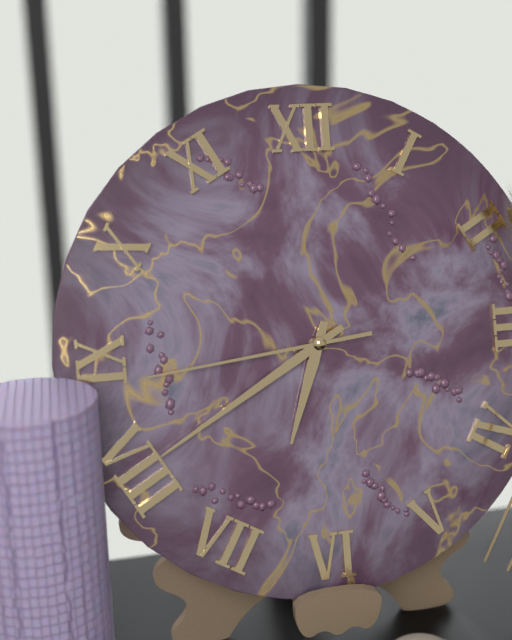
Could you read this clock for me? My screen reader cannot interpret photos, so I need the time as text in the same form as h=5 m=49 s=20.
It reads h=6 m=40 s=44
